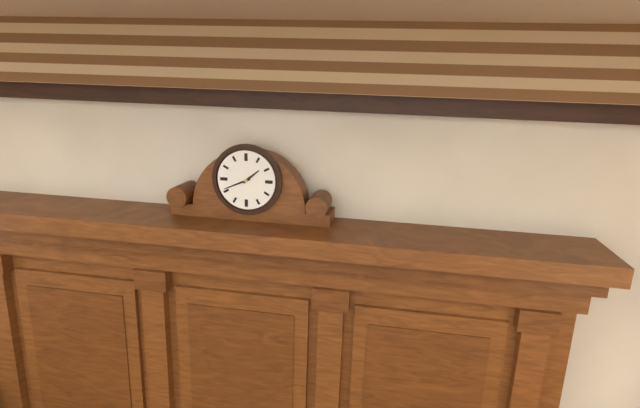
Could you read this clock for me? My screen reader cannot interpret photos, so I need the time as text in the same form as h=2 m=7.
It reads h=1 m=41
